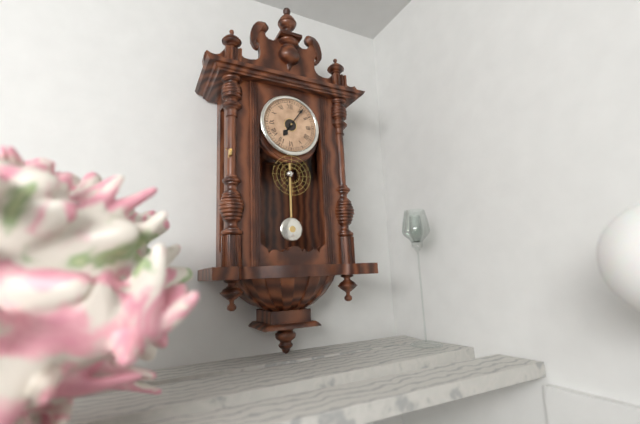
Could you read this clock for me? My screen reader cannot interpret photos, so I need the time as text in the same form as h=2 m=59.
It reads h=7 m=6
